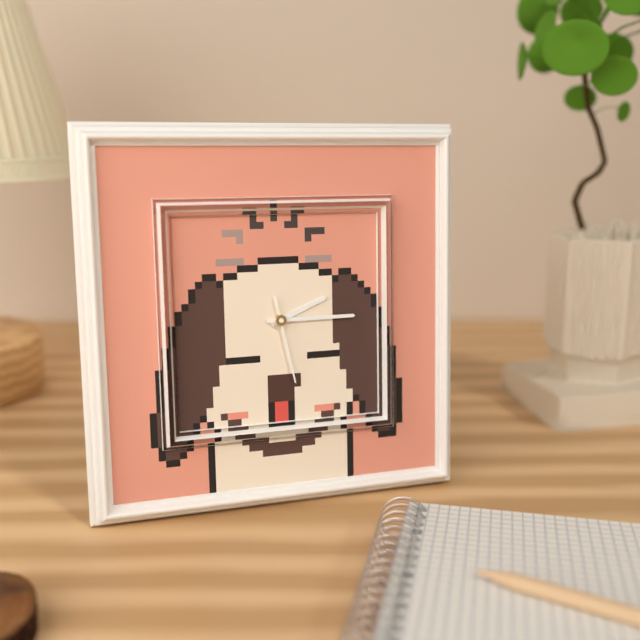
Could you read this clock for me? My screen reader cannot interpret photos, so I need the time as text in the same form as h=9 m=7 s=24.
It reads h=2 m=15 s=28
